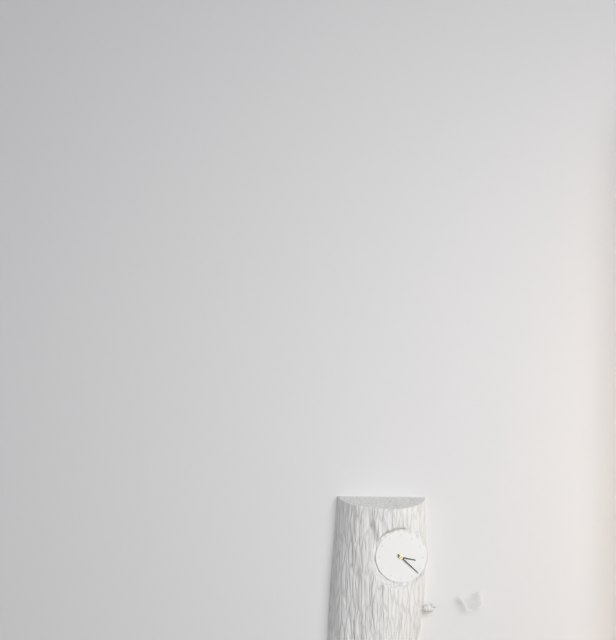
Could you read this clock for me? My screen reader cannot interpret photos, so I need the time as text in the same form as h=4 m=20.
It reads h=3 m=22
